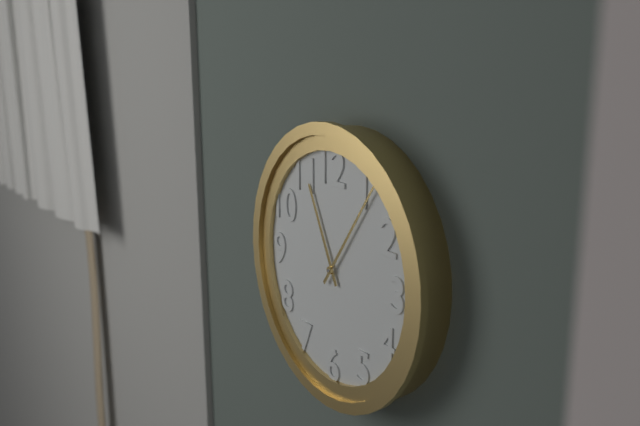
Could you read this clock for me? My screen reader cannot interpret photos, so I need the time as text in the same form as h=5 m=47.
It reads h=11 m=6
